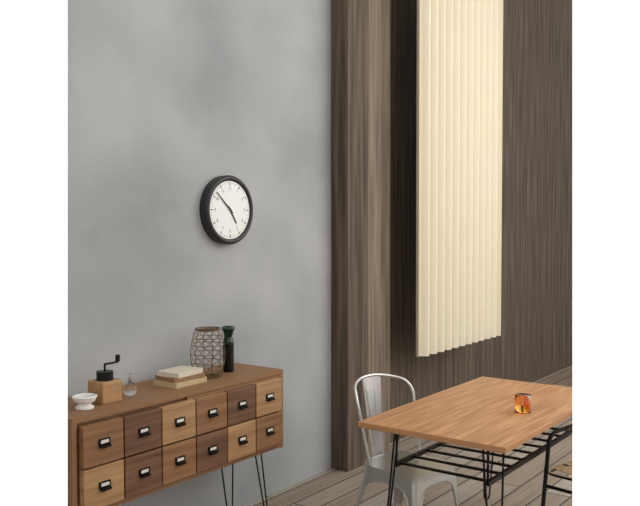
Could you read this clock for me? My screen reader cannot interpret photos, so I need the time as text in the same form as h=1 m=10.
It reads h=4 m=52
